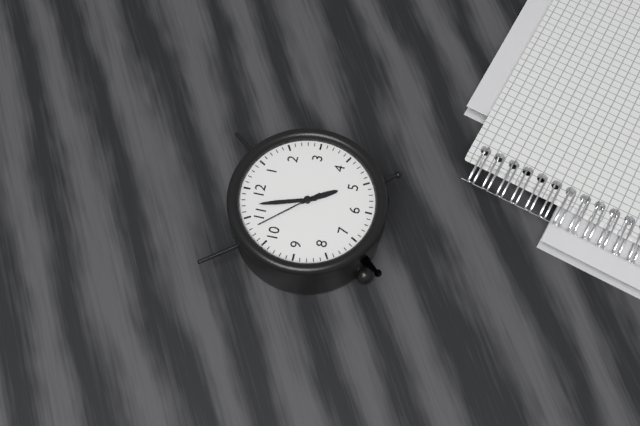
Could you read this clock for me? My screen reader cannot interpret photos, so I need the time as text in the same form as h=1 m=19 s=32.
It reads h=4 m=57 s=53
